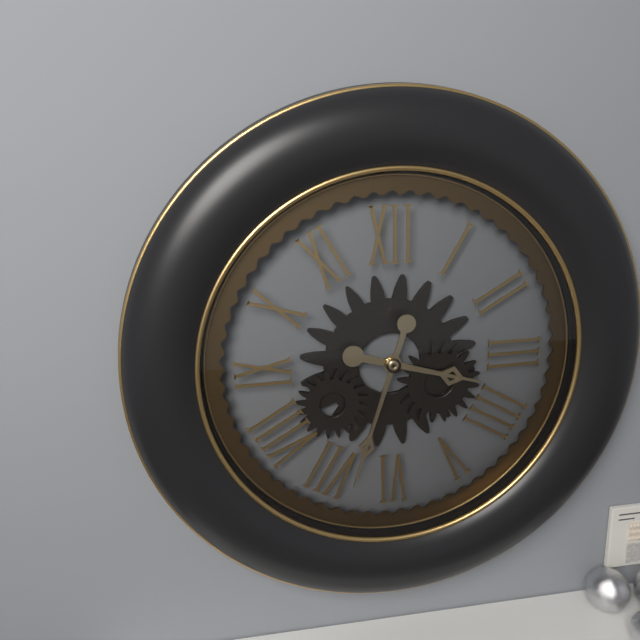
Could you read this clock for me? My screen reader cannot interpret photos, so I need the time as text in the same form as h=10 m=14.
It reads h=3 m=33
